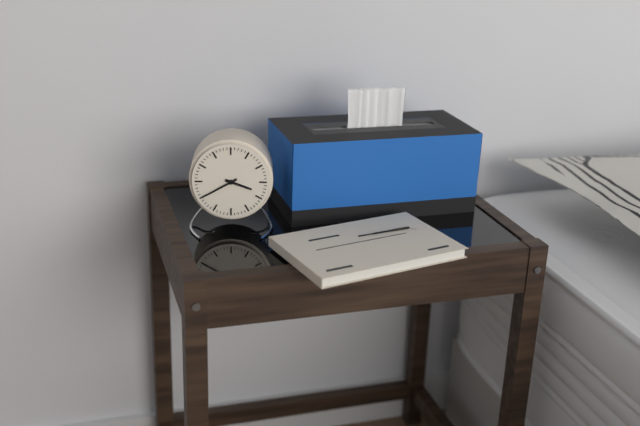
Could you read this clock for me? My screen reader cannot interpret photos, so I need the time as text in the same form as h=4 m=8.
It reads h=3 m=40
